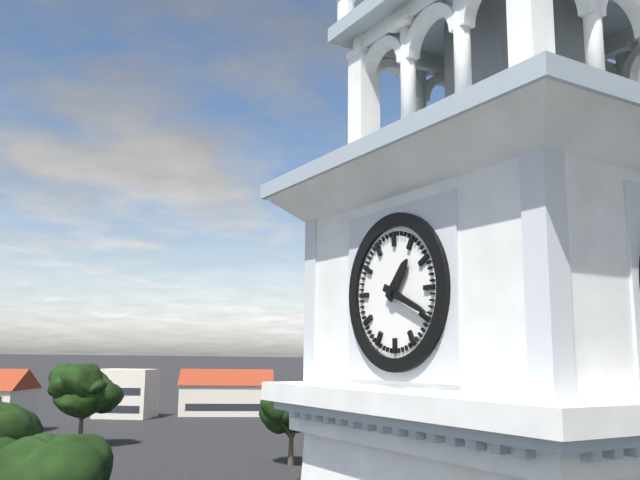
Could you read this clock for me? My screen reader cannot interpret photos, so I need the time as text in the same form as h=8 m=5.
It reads h=1 m=19
